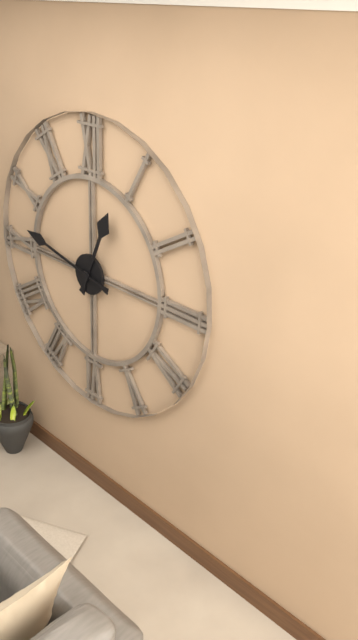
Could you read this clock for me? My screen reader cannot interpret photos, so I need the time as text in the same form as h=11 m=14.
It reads h=12 m=47
